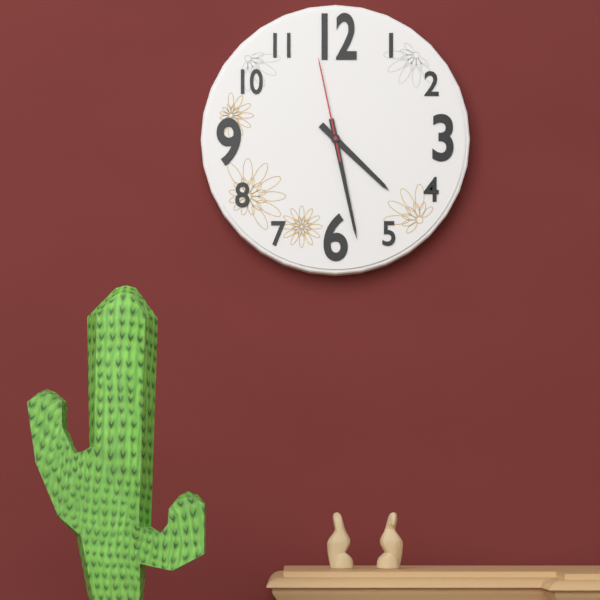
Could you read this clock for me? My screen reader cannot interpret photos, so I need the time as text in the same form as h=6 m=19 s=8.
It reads h=4 m=28 s=58
